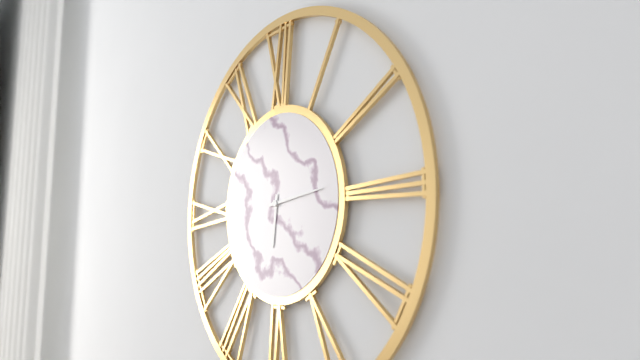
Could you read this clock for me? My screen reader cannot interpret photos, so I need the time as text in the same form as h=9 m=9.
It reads h=6 m=14
